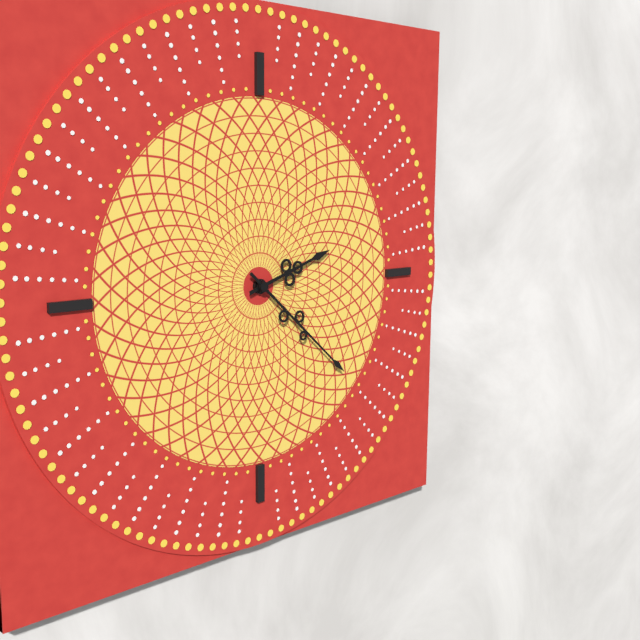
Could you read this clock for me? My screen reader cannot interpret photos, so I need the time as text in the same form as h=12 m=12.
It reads h=2 m=22
